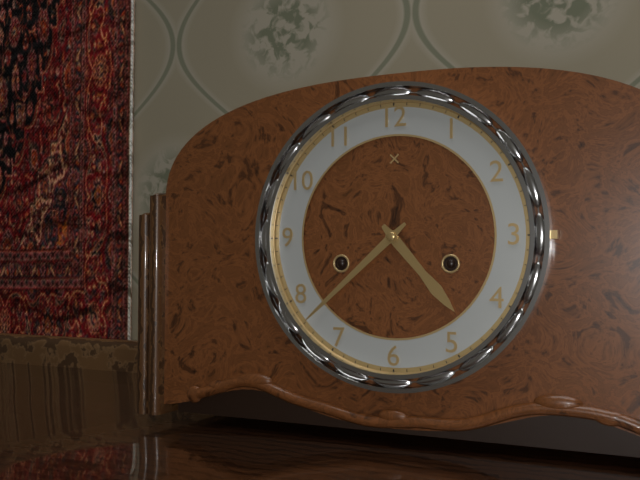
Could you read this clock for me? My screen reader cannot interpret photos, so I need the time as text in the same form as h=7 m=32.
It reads h=4 m=38
